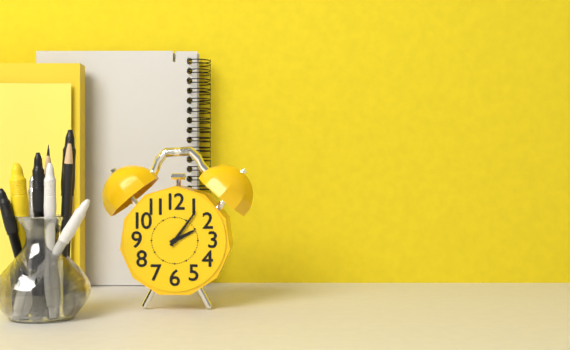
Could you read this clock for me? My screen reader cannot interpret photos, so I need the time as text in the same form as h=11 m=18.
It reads h=2 m=6
